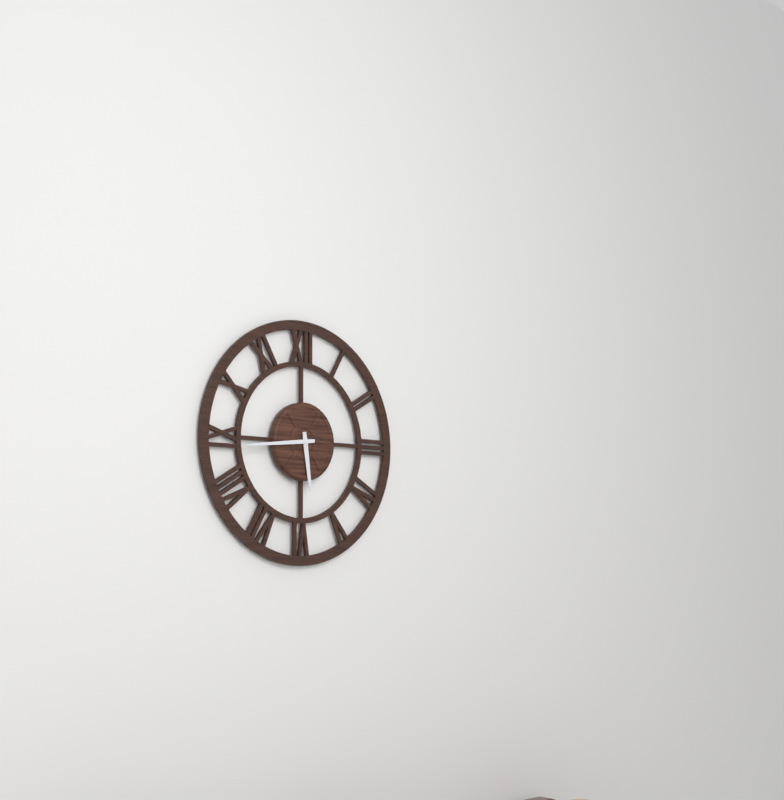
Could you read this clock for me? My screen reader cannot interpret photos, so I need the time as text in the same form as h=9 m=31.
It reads h=5 m=44
